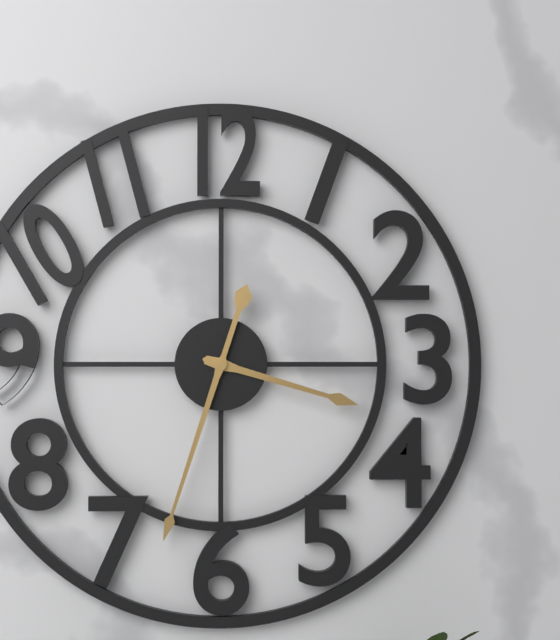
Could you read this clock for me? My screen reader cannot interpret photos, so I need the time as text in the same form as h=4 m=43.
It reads h=3 m=33
